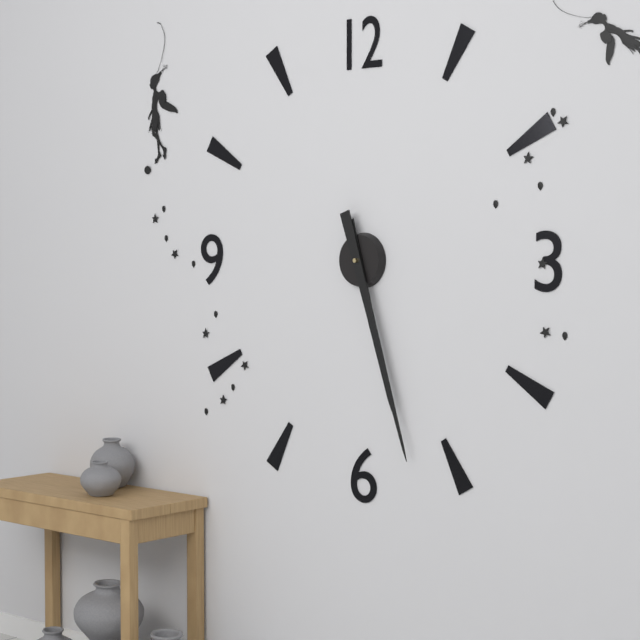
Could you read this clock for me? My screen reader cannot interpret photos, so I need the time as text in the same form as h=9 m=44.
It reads h=5 m=27
